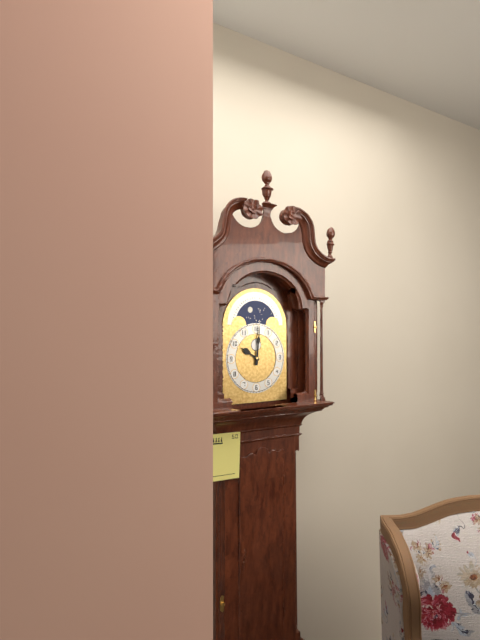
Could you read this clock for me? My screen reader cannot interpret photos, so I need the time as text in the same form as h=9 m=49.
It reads h=10 m=1
